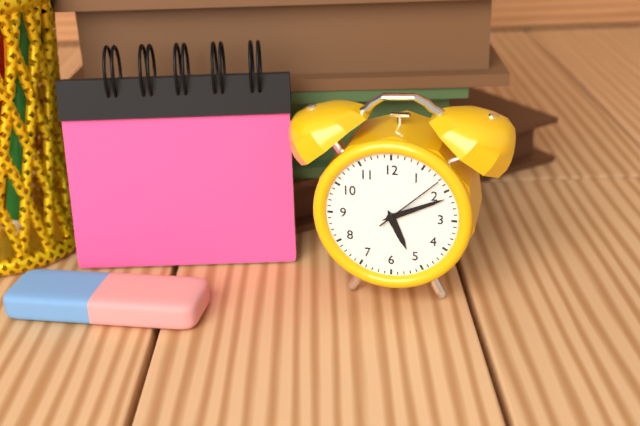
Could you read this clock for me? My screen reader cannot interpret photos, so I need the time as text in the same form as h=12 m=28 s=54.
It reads h=5 m=11 s=8
